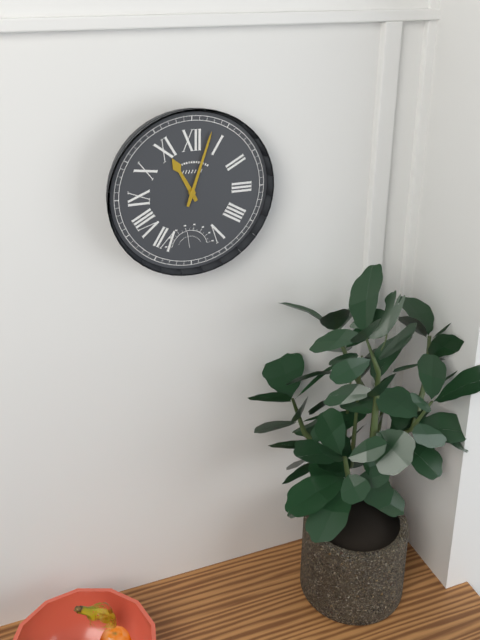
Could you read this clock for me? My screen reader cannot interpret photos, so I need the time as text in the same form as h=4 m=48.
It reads h=11 m=3
